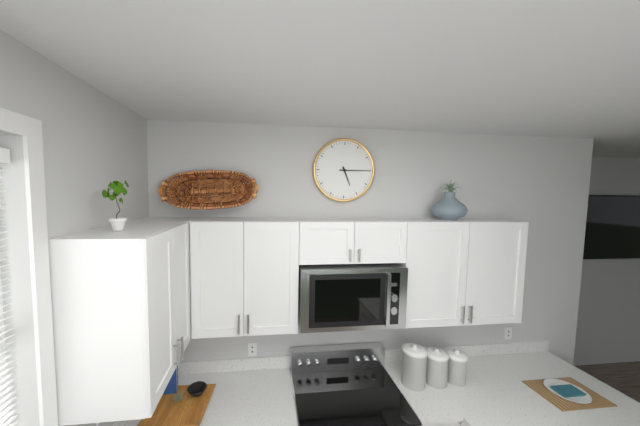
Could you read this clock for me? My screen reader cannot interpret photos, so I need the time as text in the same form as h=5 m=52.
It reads h=5 m=15
